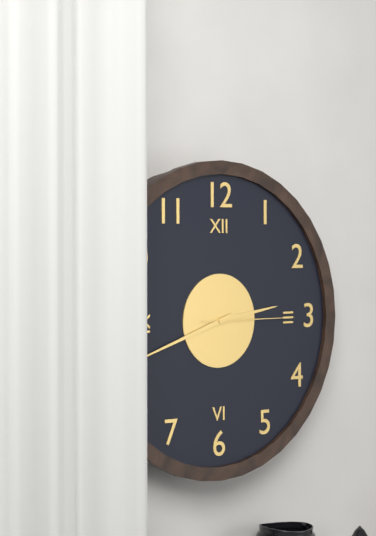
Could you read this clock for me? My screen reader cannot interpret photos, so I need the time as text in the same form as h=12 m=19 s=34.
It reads h=2 m=42 s=15
